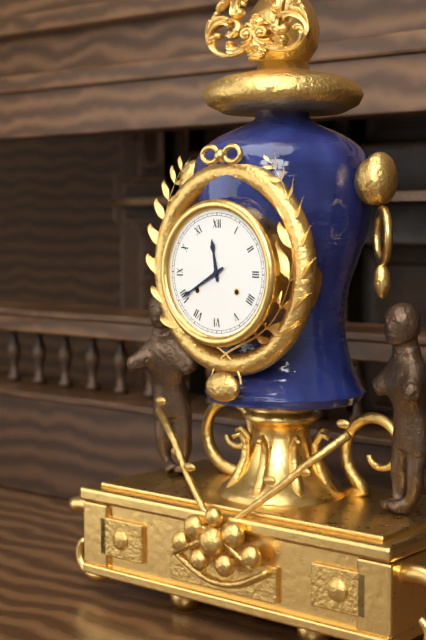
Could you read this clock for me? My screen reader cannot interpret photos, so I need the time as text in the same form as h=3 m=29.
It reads h=11 m=40
